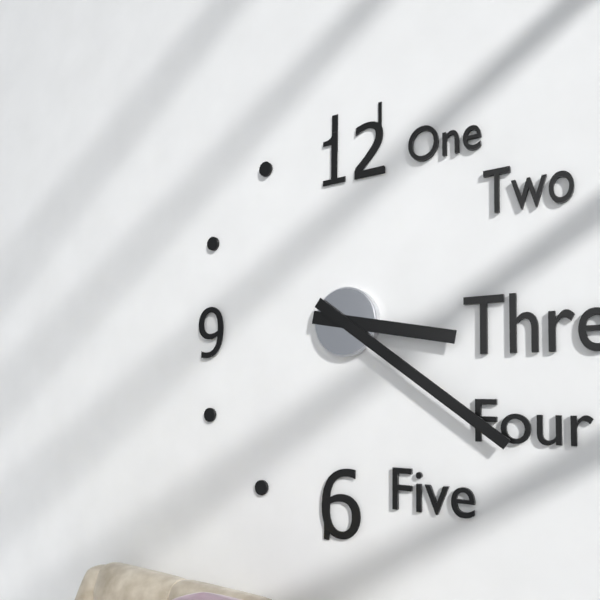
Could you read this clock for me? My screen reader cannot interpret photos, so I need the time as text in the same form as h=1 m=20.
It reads h=3 m=21
